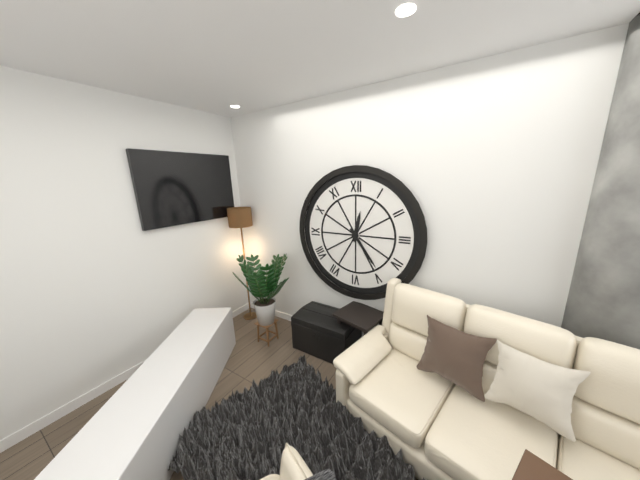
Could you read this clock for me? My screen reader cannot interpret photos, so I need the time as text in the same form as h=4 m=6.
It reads h=12 m=24
